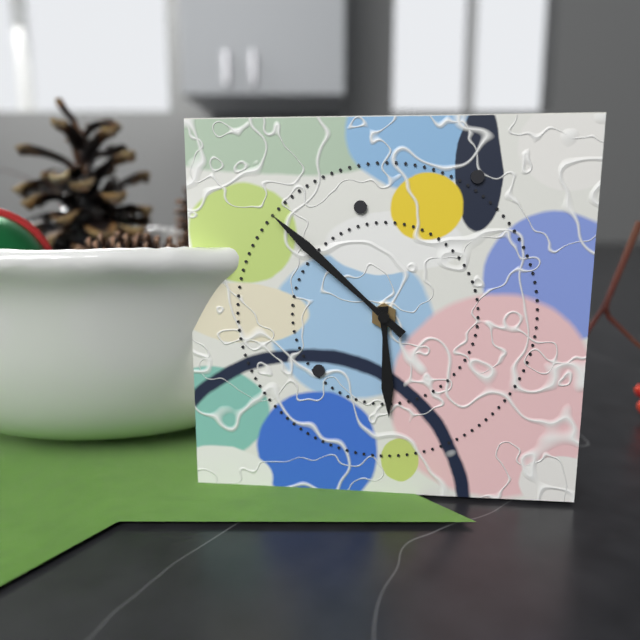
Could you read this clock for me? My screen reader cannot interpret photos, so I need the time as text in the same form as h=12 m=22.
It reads h=5 m=52
